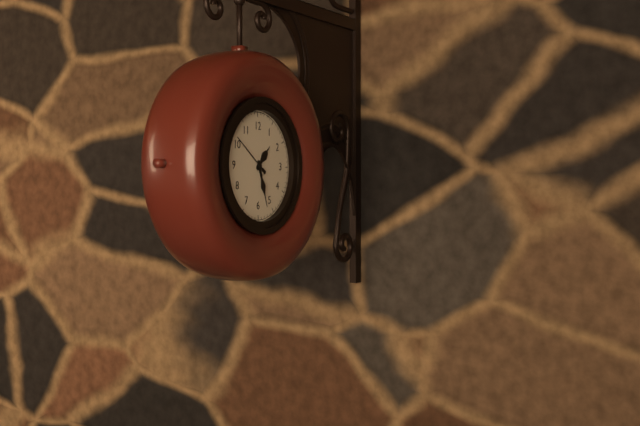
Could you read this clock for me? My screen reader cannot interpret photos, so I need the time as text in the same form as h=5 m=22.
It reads h=1 m=27
